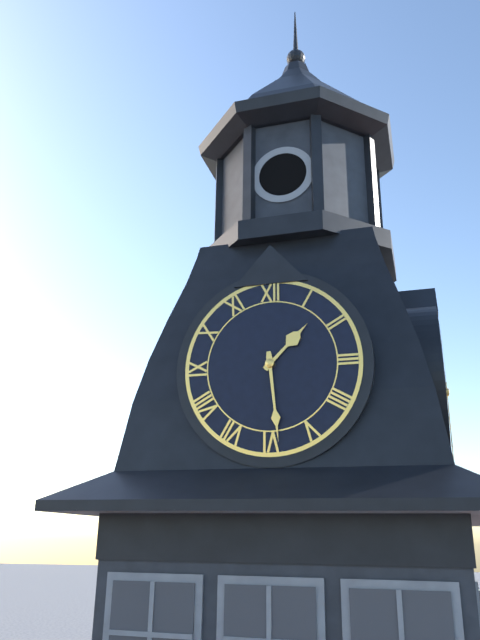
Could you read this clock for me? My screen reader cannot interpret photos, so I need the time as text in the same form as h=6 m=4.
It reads h=1 m=29
